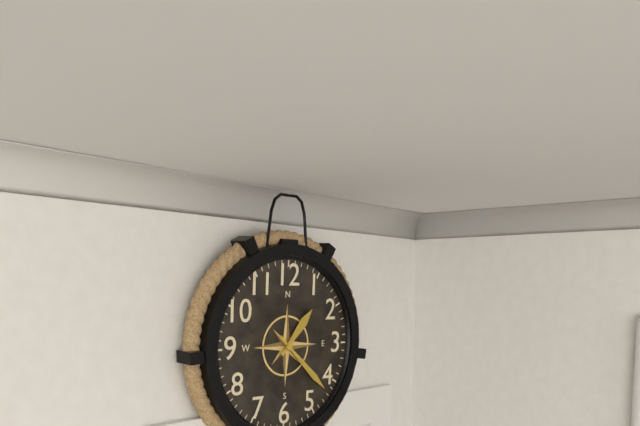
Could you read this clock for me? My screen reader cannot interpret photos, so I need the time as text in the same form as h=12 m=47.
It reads h=1 m=22
